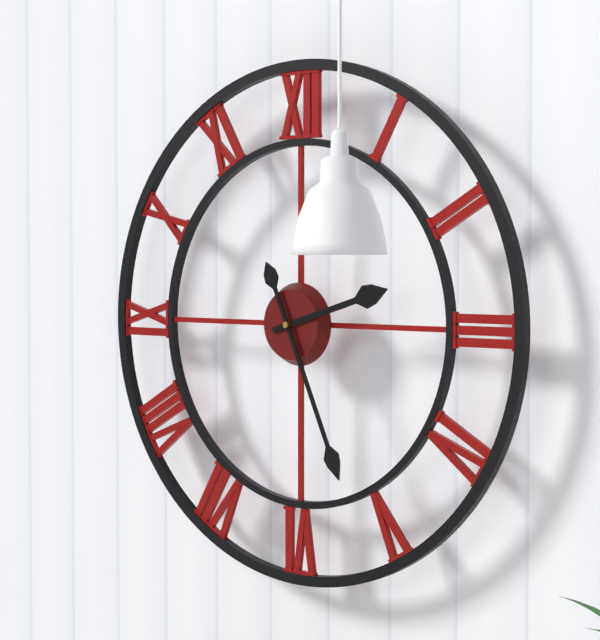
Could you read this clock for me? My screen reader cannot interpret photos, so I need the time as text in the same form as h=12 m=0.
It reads h=2 m=26
